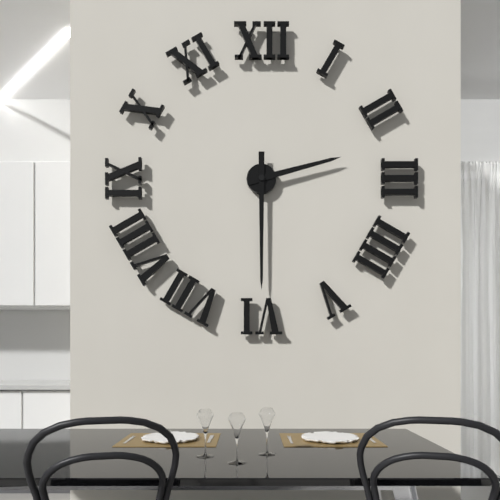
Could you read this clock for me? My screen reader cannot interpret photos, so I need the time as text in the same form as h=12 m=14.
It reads h=2 m=30
